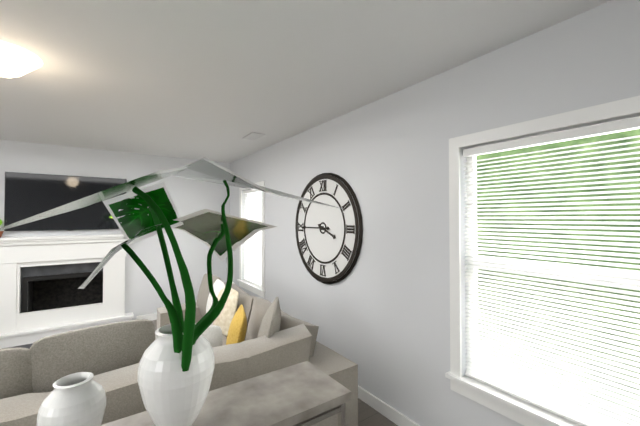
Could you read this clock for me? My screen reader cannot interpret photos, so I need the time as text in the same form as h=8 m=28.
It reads h=3 m=45
